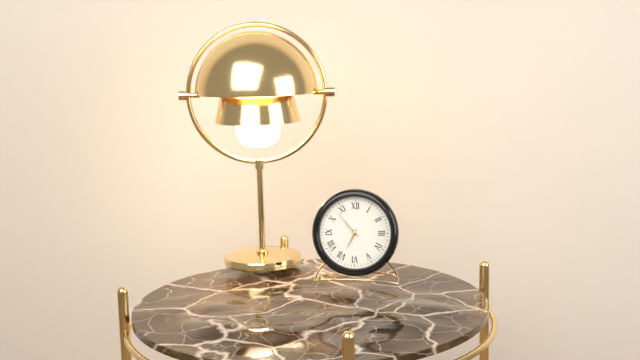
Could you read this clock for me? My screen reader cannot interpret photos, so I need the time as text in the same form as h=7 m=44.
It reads h=6 m=53
